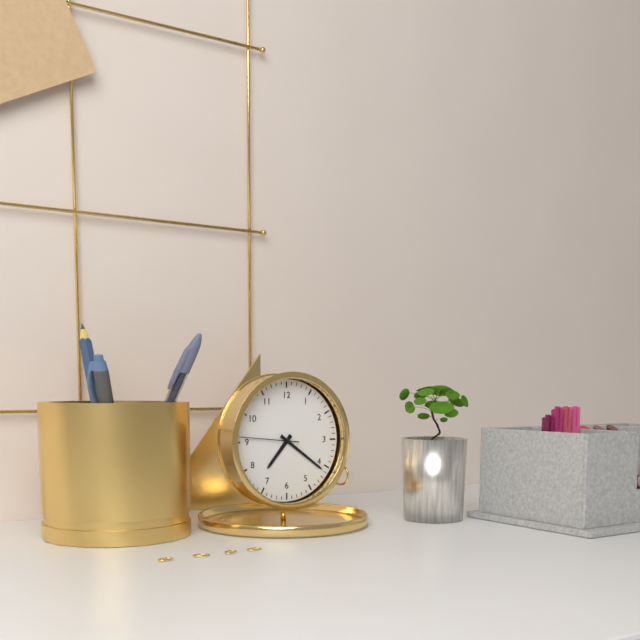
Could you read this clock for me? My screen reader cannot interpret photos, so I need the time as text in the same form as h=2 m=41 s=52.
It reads h=7 m=21 s=46
